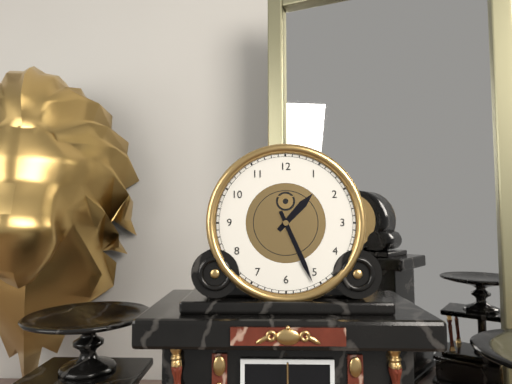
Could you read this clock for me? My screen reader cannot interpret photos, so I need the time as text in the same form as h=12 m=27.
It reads h=1 m=26
